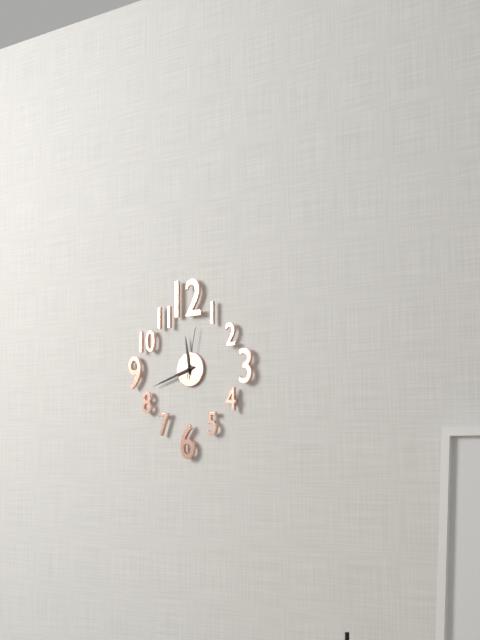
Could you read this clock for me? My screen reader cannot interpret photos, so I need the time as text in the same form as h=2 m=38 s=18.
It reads h=11 m=42 s=2
